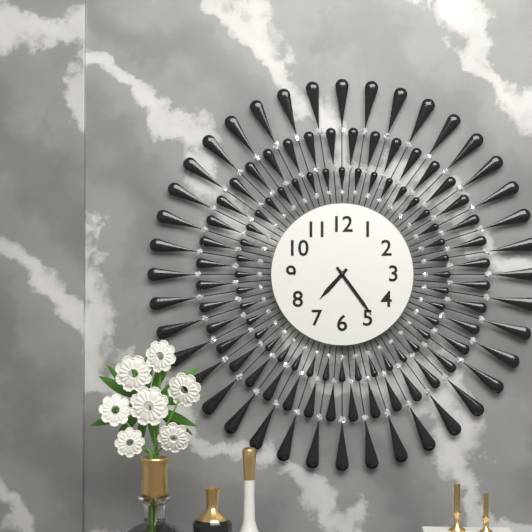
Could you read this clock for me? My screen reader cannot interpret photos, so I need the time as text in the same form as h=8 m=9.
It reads h=7 m=24
